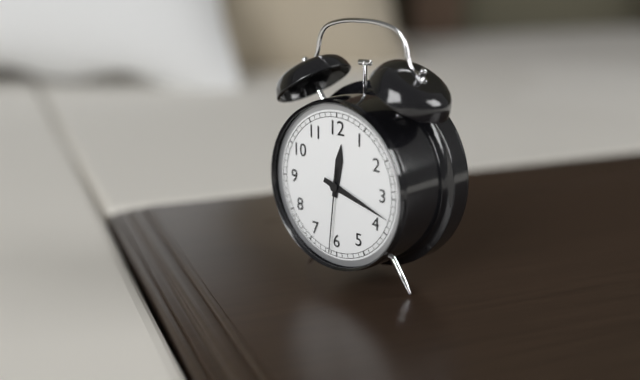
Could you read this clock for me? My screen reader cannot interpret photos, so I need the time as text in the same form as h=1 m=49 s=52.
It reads h=12 m=18 s=31
